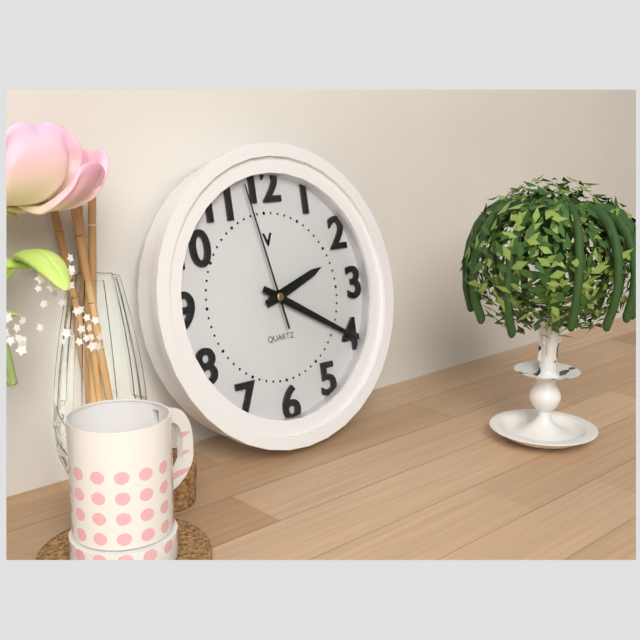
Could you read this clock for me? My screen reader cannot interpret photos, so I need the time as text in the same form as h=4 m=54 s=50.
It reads h=2 m=20 s=58
